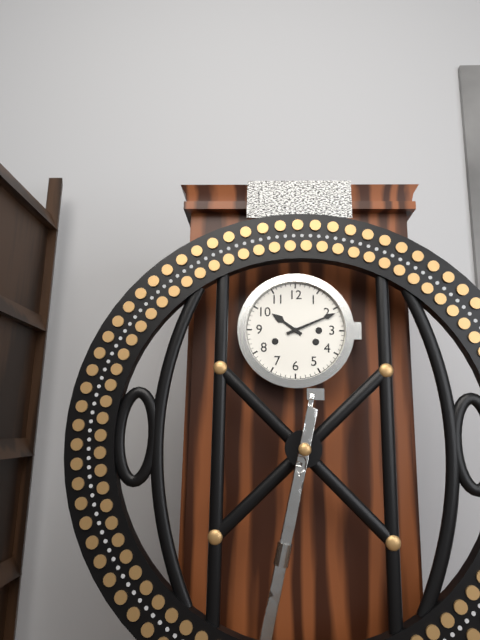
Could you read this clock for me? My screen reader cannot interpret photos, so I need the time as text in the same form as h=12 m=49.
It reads h=10 m=11
